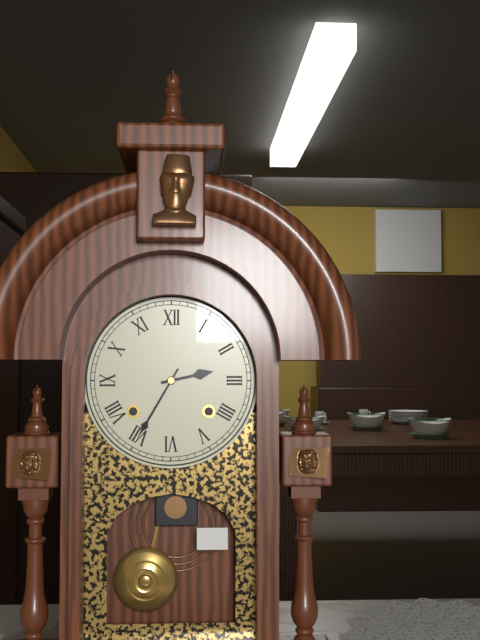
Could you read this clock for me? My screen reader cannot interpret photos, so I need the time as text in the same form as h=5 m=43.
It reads h=2 m=35
